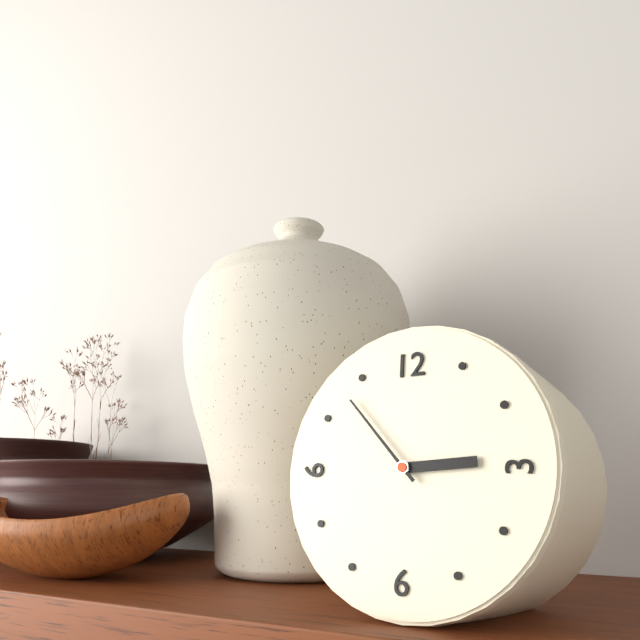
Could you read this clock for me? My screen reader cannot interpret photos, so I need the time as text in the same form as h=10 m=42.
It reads h=2 m=53
